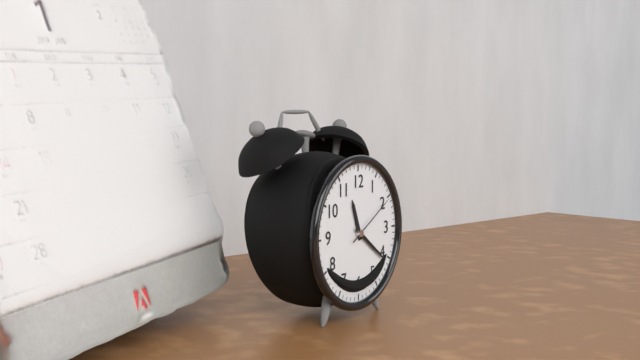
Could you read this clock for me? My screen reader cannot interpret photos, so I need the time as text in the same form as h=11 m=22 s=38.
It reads h=11 m=21 s=10
